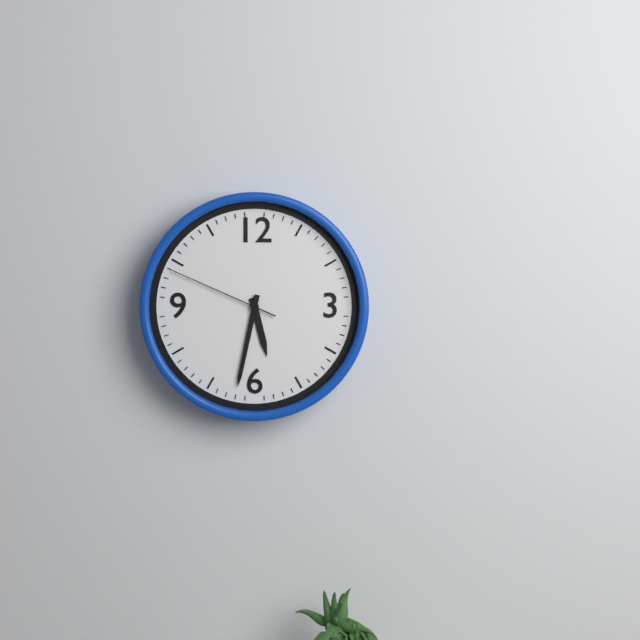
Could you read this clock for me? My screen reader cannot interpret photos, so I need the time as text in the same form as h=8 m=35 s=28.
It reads h=5 m=32 s=49
